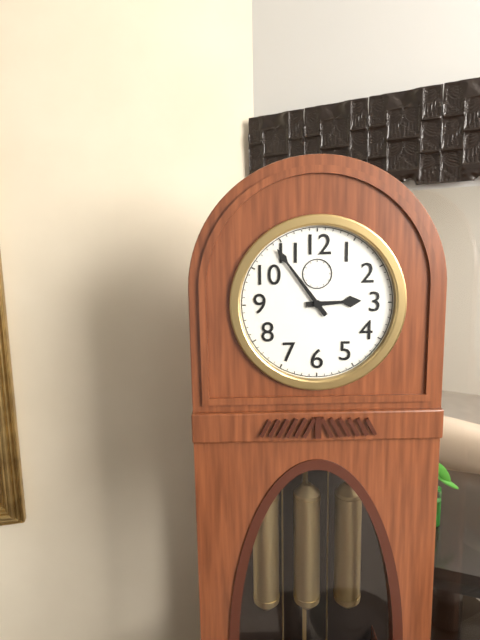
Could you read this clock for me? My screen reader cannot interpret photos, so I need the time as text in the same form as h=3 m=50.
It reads h=2 m=54
